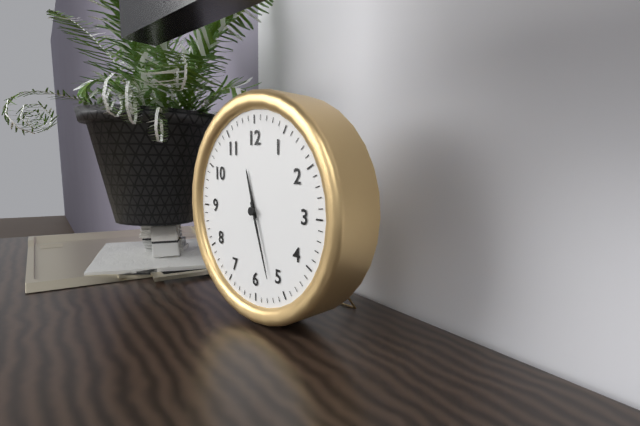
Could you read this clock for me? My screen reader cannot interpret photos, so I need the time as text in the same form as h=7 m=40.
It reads h=11 m=27
